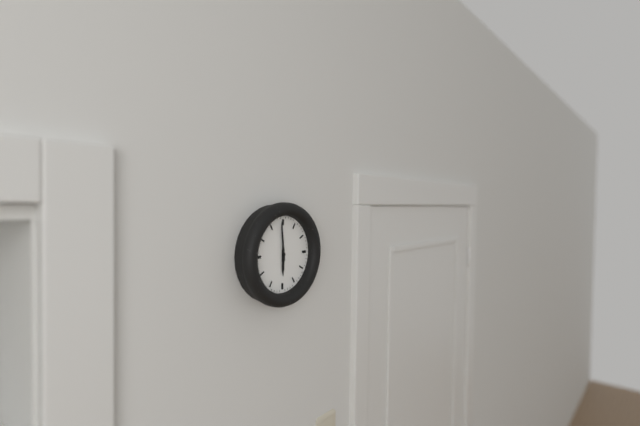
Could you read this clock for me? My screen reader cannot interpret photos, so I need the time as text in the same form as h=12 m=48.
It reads h=5 m=59
